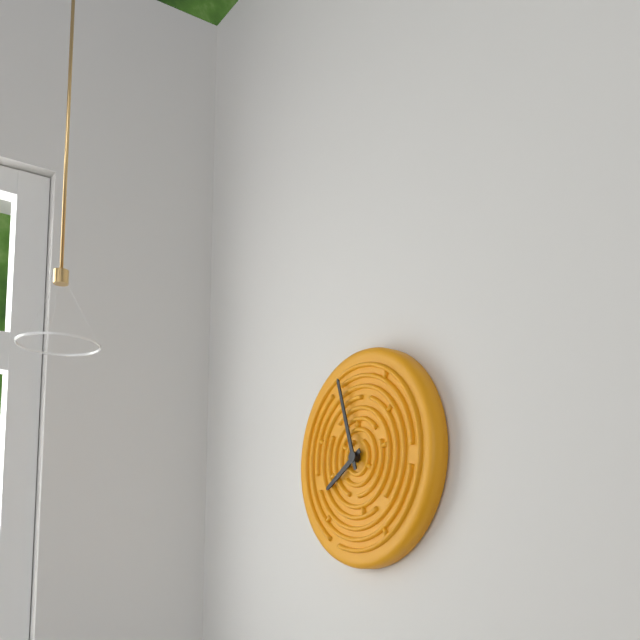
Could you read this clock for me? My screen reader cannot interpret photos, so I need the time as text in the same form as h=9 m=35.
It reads h=7 m=57
